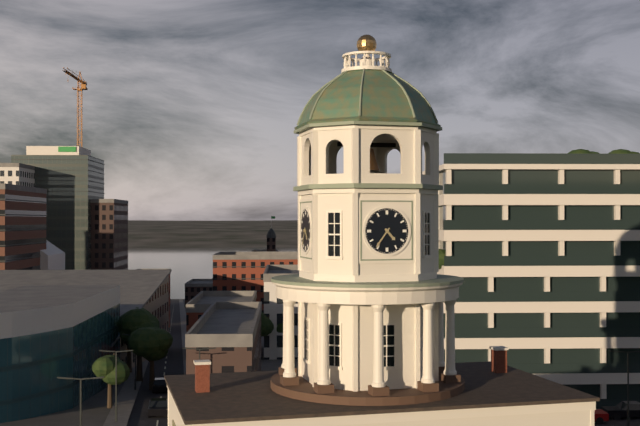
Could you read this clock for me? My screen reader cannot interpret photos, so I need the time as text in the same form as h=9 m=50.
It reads h=4 m=36
